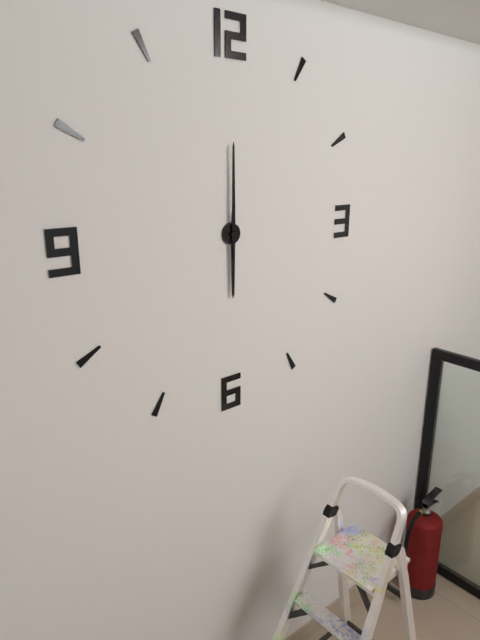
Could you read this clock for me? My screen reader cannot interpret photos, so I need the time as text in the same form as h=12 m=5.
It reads h=6 m=0
